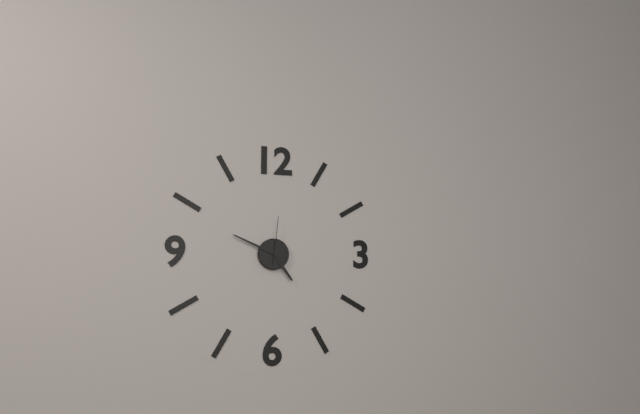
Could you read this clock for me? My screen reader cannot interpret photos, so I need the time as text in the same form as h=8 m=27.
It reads h=4 m=49
